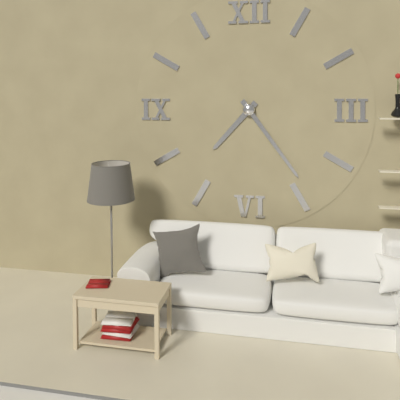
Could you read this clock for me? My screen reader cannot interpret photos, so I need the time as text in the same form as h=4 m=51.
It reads h=7 m=24
